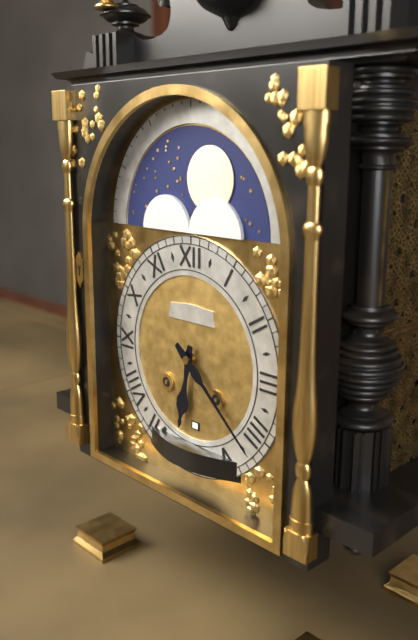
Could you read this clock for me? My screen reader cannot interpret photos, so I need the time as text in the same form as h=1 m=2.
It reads h=6 m=22
